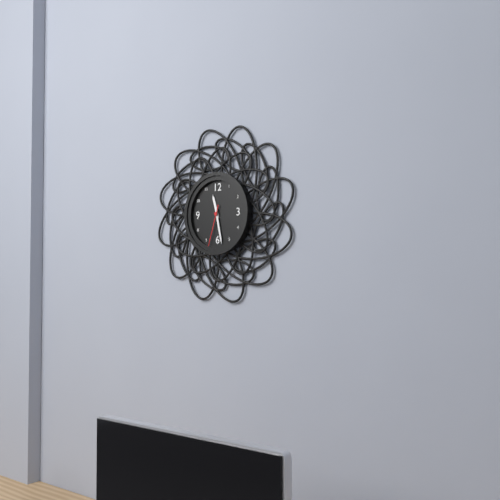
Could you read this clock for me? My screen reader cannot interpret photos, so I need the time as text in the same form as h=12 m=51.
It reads h=11 m=28
